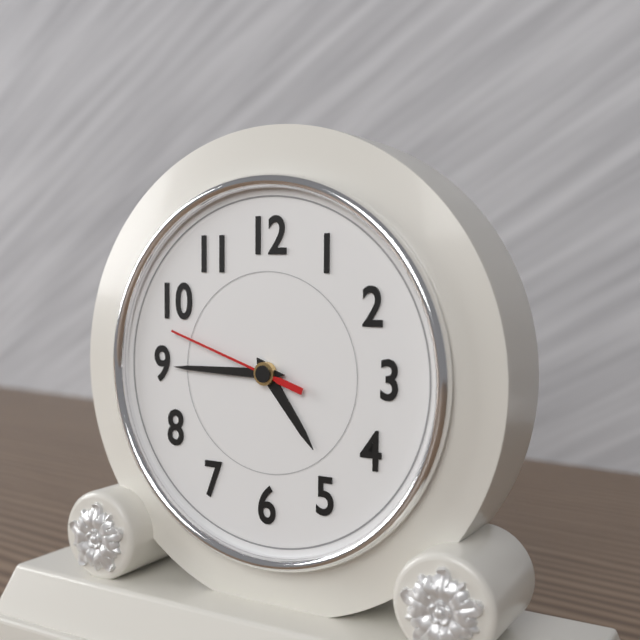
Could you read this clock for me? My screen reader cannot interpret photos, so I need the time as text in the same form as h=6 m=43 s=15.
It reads h=4 m=45 s=48
